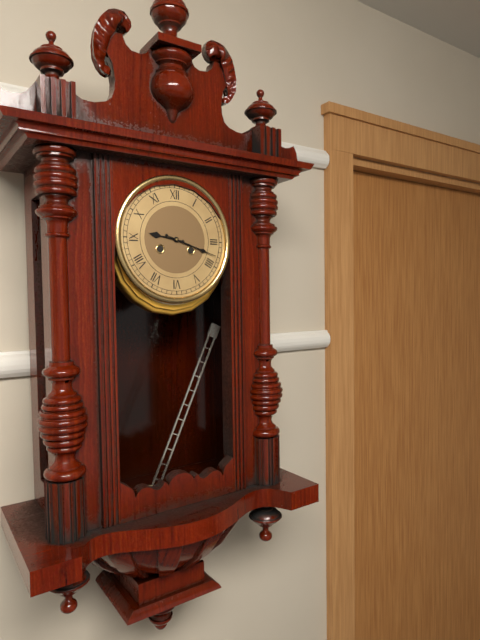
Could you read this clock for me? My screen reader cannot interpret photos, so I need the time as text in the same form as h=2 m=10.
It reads h=9 m=18
